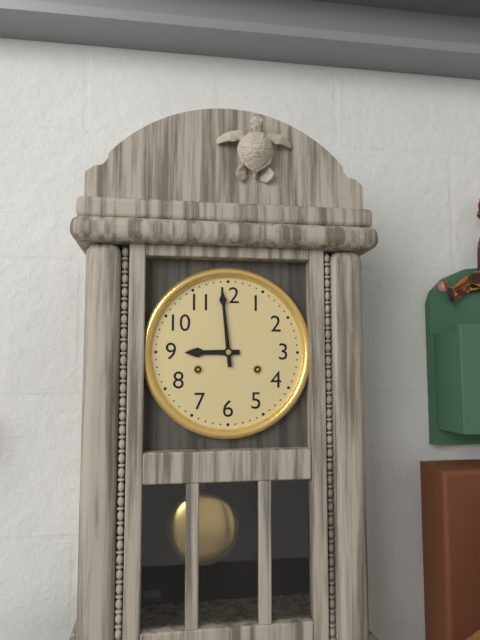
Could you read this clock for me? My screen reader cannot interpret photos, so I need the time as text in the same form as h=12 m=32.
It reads h=8 m=59
